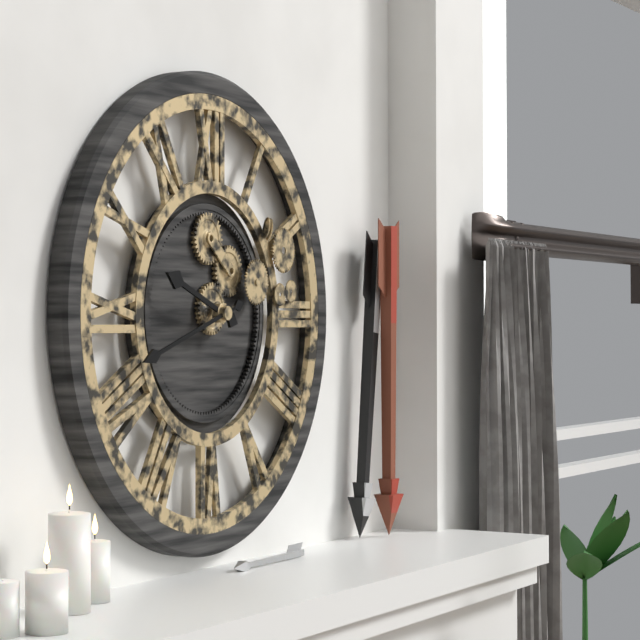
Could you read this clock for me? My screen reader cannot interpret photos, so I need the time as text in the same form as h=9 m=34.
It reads h=9 m=42
